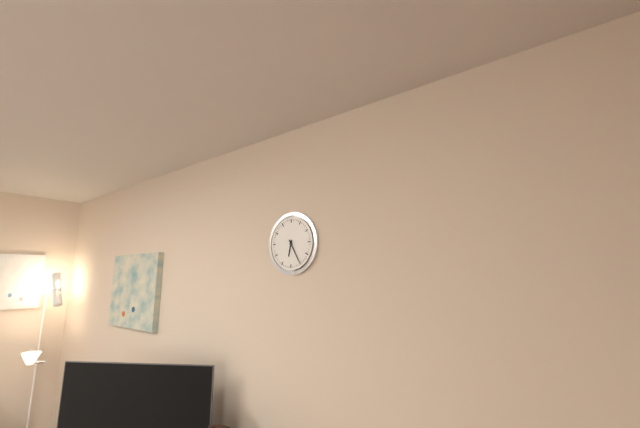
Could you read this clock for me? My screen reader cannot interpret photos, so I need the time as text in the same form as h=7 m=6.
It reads h=6 m=25
